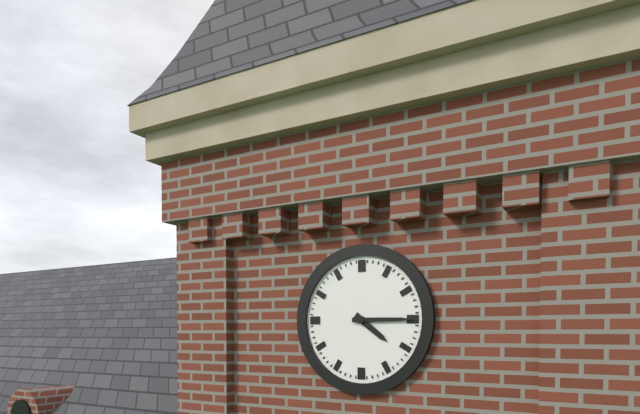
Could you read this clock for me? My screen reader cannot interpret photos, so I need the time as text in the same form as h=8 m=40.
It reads h=4 m=15
